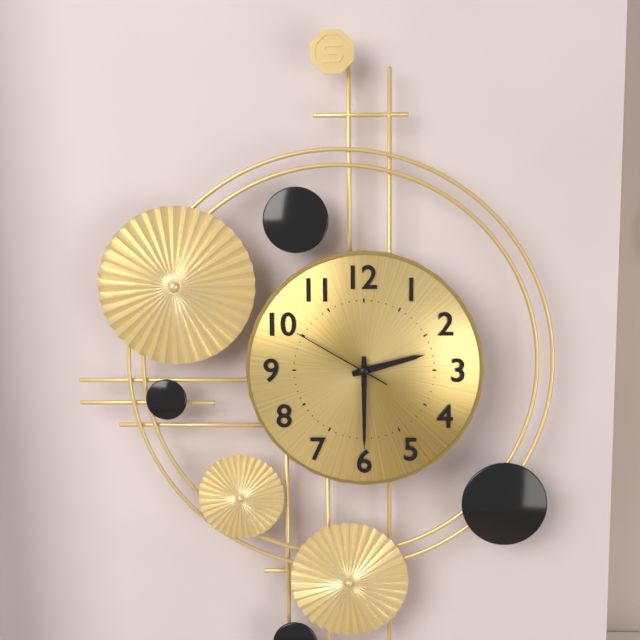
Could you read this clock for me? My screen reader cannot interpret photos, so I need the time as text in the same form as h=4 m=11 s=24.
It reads h=2 m=30 s=50
